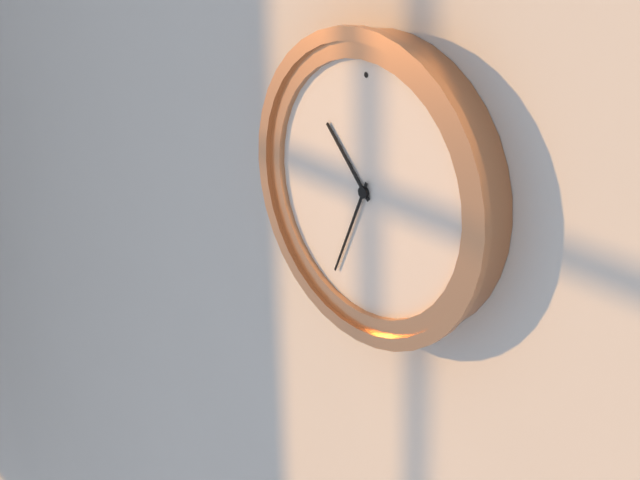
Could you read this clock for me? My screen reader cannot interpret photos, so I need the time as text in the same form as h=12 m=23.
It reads h=10 m=34
